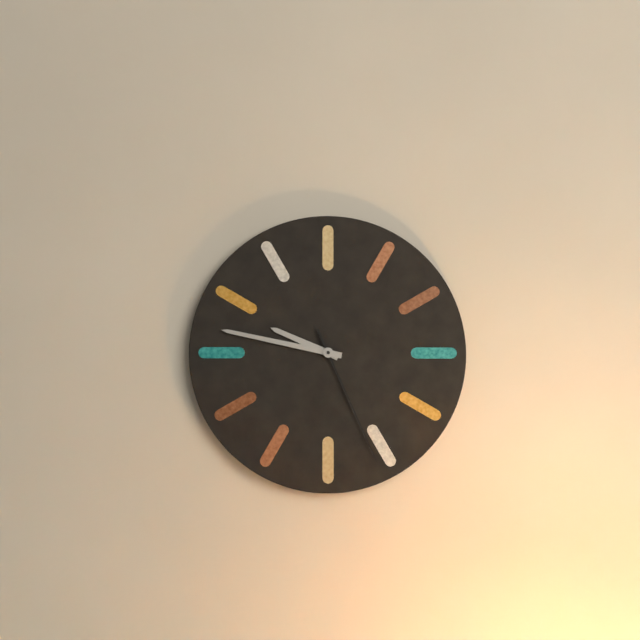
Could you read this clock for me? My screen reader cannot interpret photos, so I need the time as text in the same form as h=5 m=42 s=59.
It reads h=9 m=47 s=26
